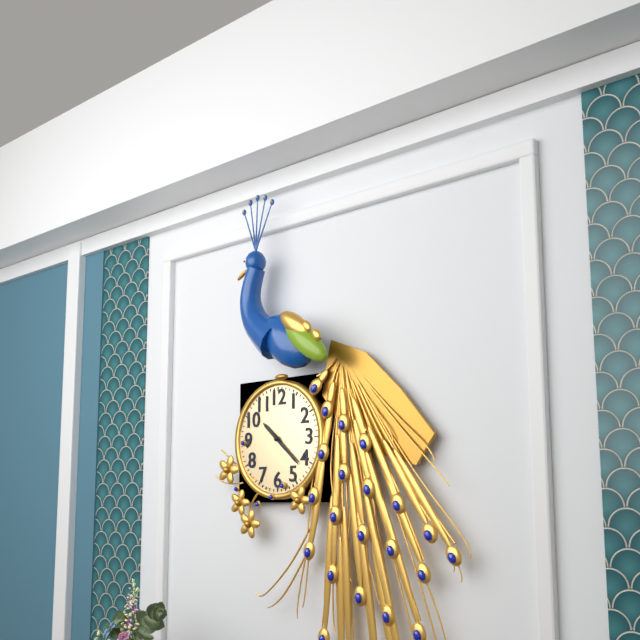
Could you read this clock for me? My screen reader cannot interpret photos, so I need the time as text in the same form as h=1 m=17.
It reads h=10 m=22
